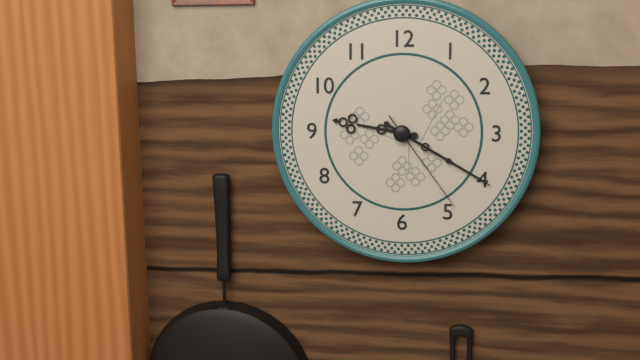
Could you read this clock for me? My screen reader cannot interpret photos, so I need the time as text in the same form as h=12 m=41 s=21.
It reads h=9 m=20 s=24
